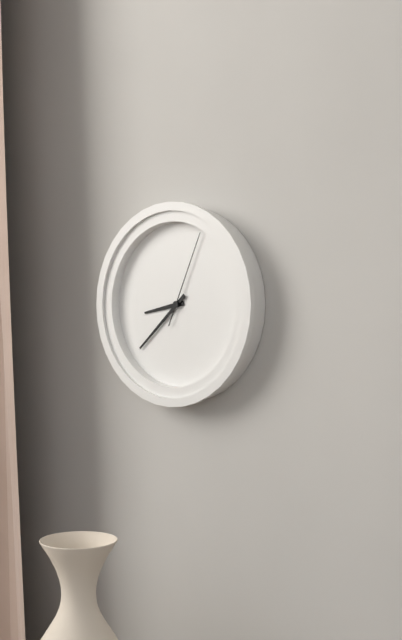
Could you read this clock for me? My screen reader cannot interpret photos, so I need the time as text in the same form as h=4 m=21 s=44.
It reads h=8 m=38 s=4
